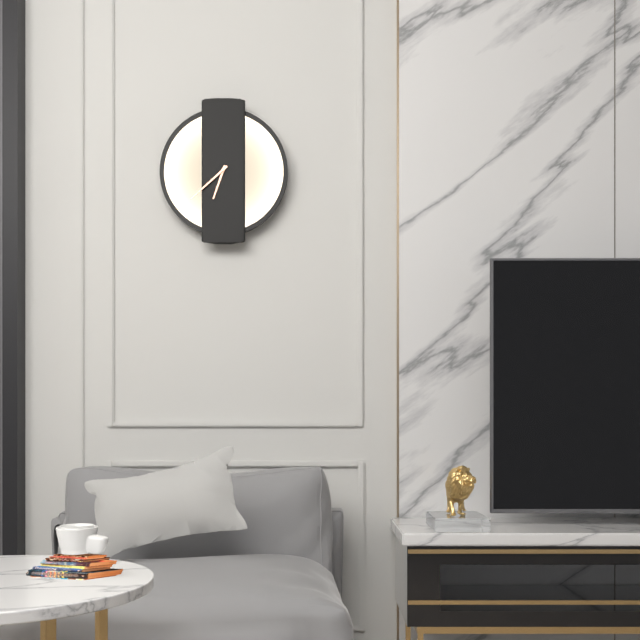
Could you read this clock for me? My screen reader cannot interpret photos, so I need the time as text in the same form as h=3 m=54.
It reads h=6 m=38
